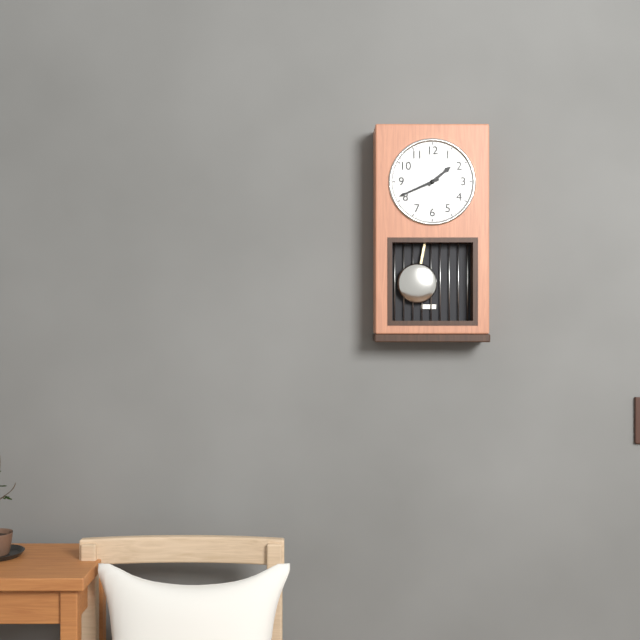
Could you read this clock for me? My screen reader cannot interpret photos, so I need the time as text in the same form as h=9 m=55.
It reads h=1 m=41
